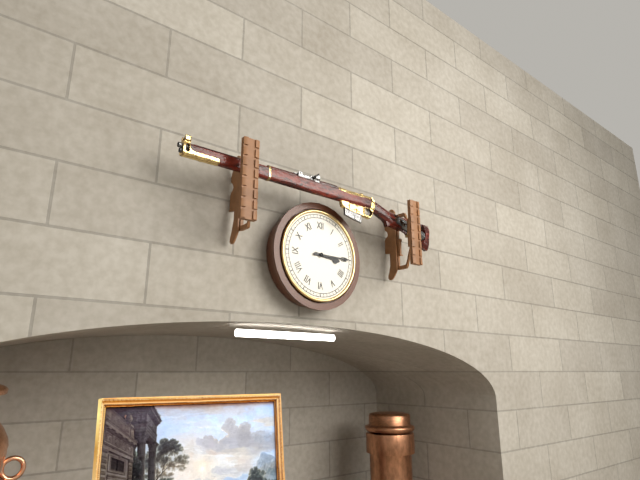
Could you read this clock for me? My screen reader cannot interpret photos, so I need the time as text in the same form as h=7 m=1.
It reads h=3 m=15
